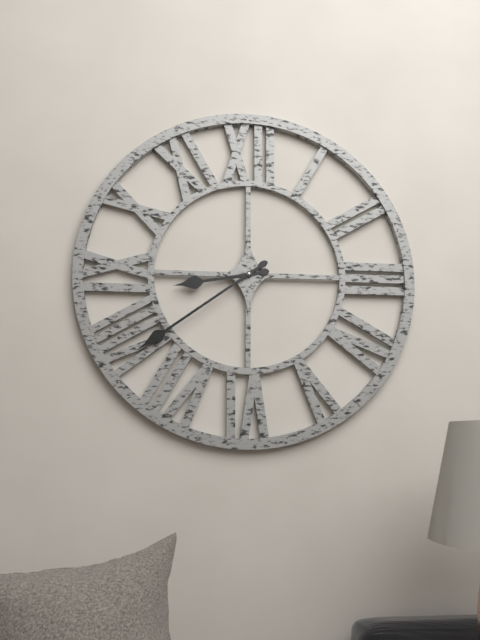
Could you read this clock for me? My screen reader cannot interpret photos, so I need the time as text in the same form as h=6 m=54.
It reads h=8 m=39
